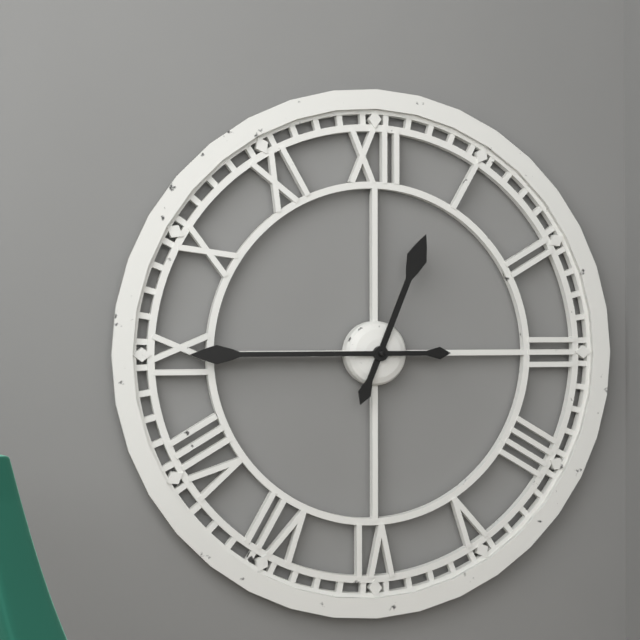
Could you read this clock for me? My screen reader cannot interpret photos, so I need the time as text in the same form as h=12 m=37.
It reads h=12 m=45
